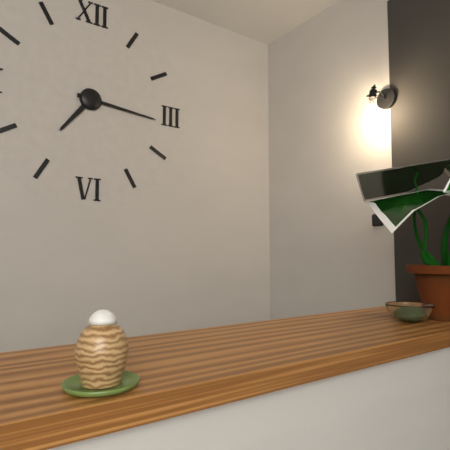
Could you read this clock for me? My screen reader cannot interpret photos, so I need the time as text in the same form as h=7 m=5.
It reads h=7 m=16
